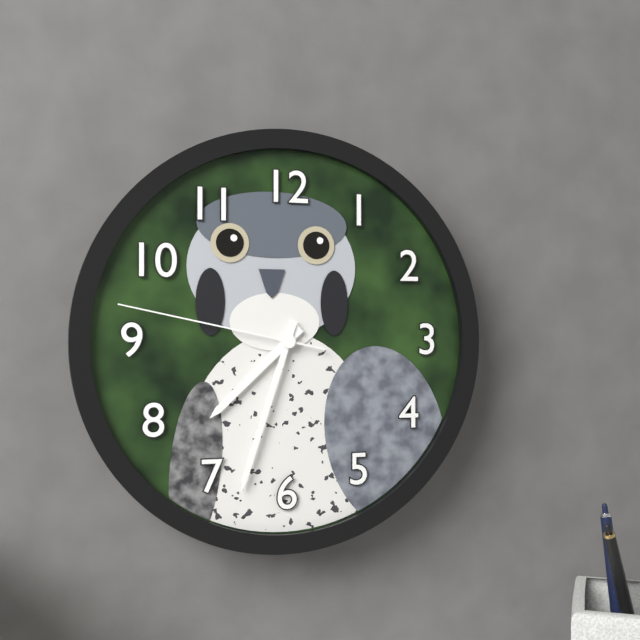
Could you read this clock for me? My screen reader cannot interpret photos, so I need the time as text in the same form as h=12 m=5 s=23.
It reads h=7 m=33 s=47
